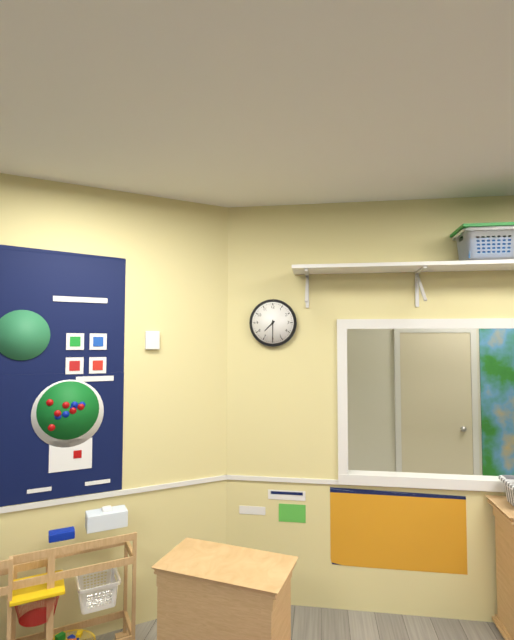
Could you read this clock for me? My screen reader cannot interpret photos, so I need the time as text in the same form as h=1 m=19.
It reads h=7 m=30
